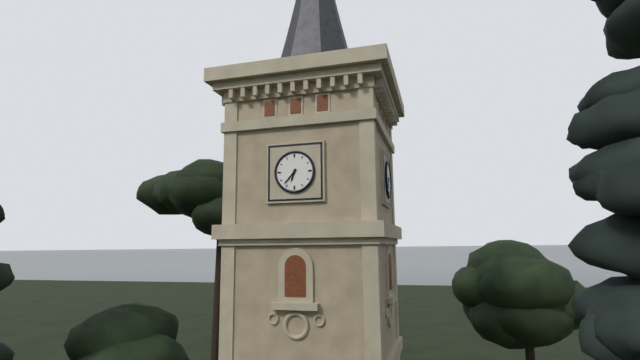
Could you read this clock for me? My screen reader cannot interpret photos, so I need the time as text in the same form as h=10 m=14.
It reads h=6 m=37
